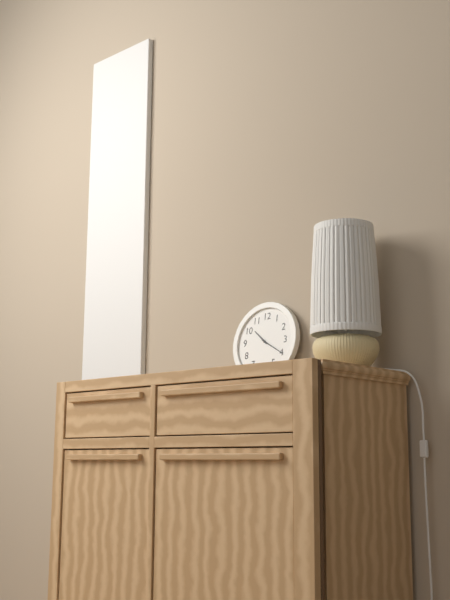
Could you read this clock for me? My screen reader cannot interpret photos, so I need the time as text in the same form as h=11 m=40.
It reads h=10 m=20
